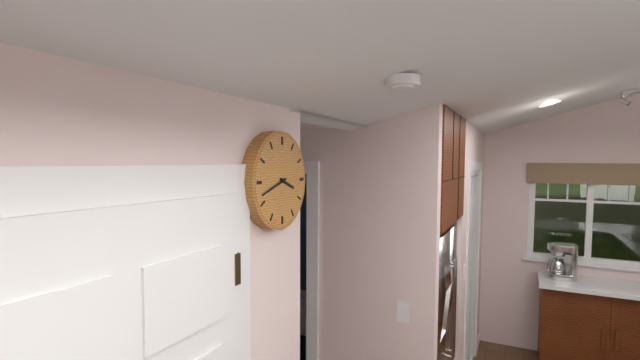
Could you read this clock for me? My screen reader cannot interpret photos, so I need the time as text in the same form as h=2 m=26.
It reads h=3 m=42
